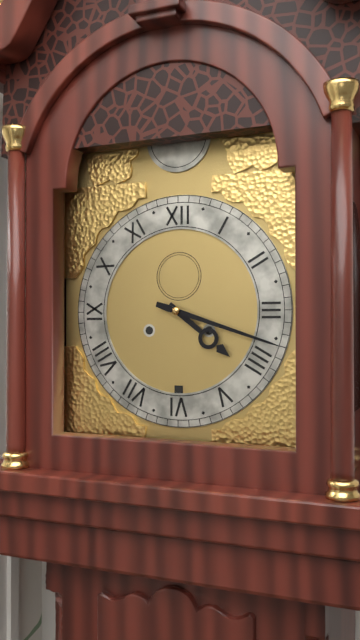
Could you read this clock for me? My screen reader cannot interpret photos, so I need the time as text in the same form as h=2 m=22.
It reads h=4 m=18
